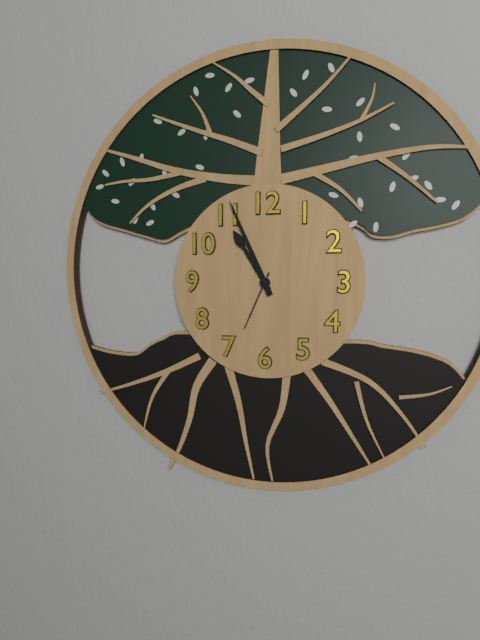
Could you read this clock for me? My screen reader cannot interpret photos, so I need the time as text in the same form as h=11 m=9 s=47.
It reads h=10 m=56 s=34
